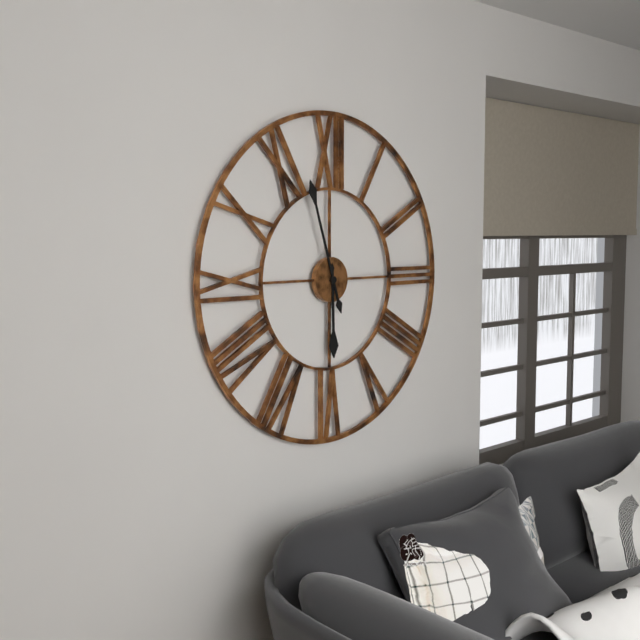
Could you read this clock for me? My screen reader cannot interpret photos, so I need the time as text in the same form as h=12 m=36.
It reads h=5 m=57
